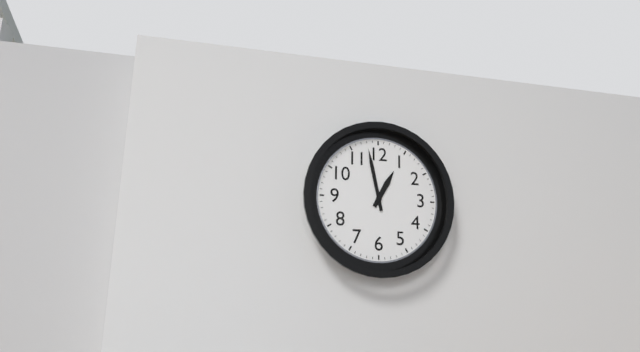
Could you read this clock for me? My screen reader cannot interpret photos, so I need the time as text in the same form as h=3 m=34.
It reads h=12 m=58
